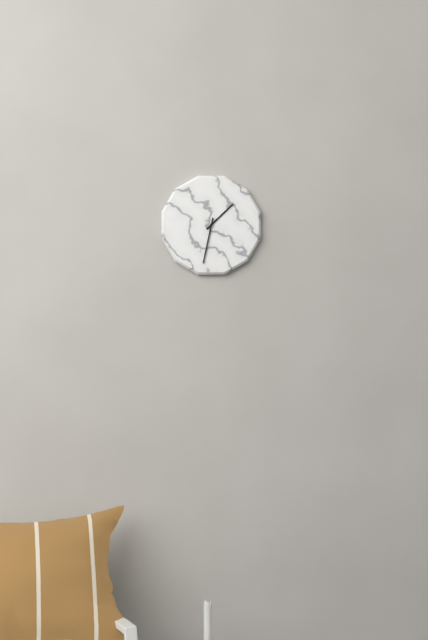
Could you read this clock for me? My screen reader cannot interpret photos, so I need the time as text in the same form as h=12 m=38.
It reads h=1 m=32
